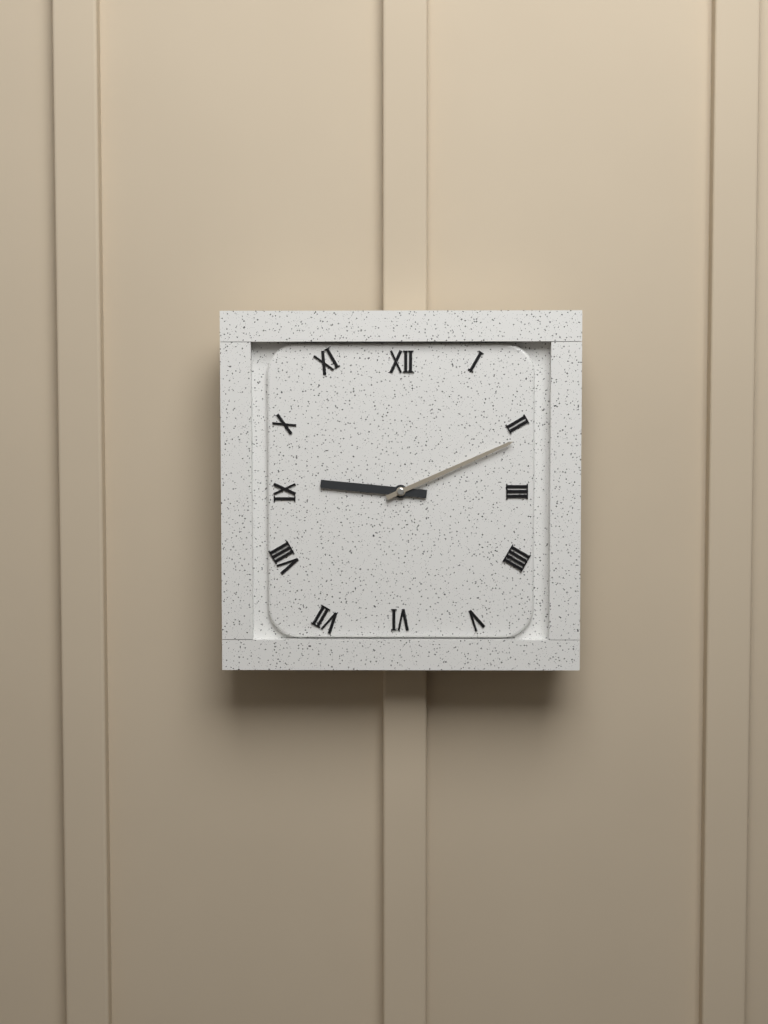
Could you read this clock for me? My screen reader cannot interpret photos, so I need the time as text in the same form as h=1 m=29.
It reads h=9 m=11
